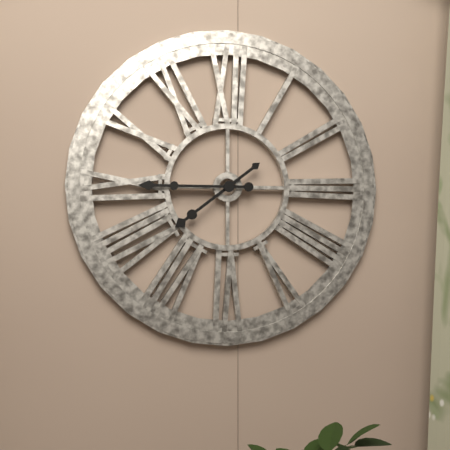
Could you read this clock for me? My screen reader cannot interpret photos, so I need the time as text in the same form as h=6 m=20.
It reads h=7 m=45
